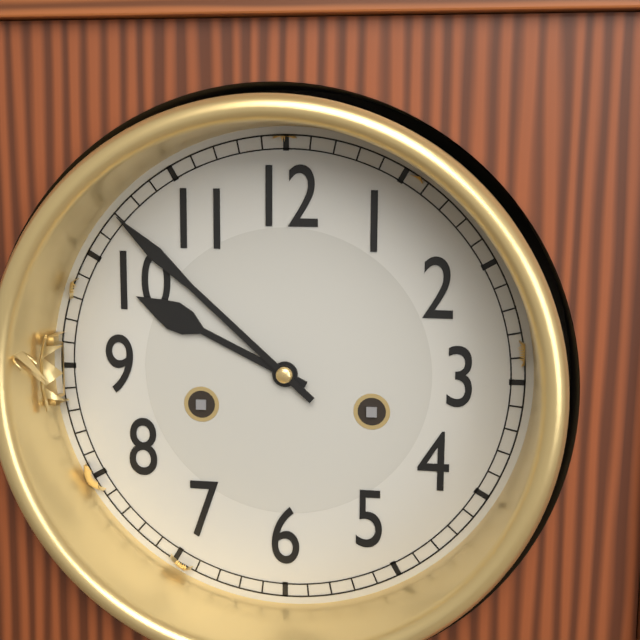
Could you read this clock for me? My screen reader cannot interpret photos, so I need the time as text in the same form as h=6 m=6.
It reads h=9 m=52
